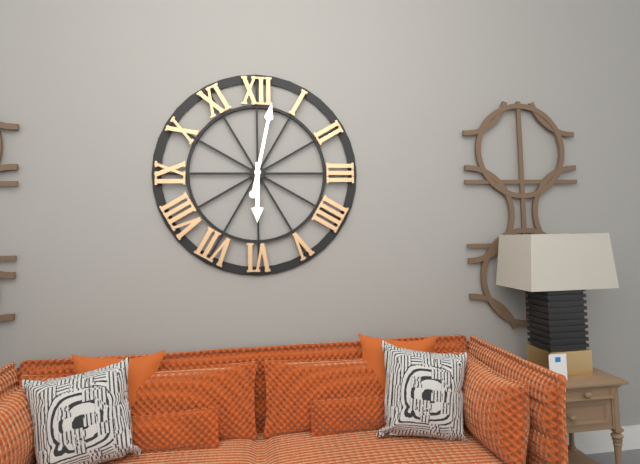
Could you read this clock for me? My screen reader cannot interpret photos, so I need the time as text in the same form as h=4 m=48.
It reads h=6 m=2
